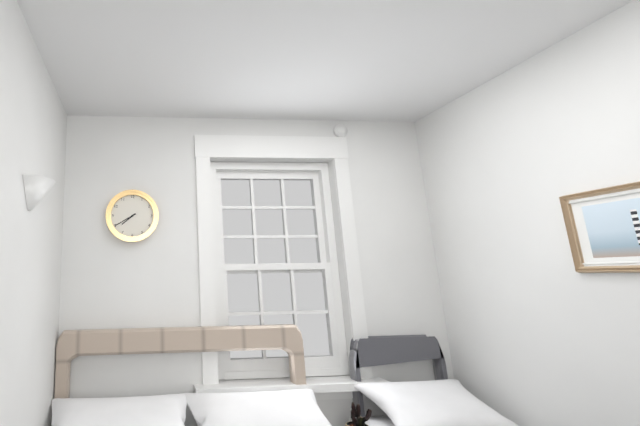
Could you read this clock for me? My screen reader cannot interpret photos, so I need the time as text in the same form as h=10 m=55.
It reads h=7 m=40
